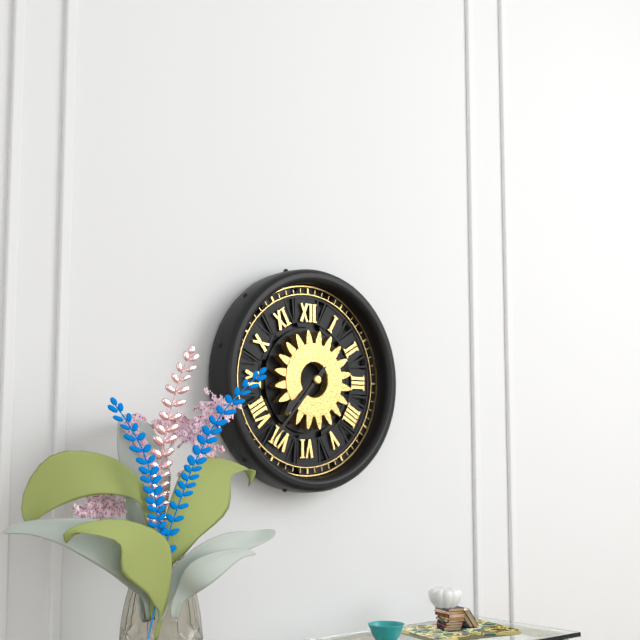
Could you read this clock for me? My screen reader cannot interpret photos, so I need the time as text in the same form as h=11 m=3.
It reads h=7 m=37
